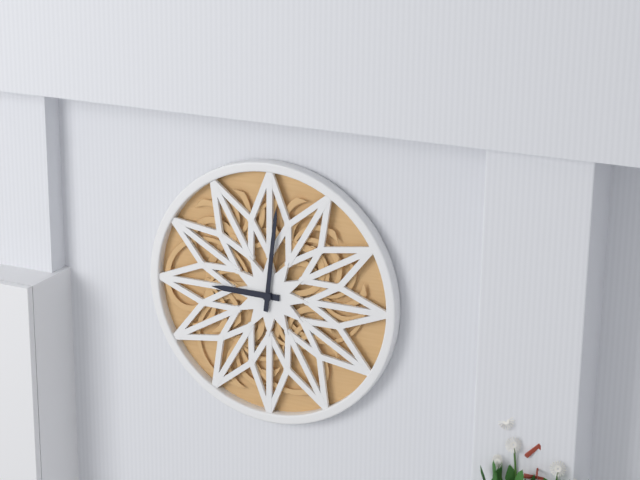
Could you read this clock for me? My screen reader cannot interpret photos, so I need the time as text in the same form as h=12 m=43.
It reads h=9 m=1
